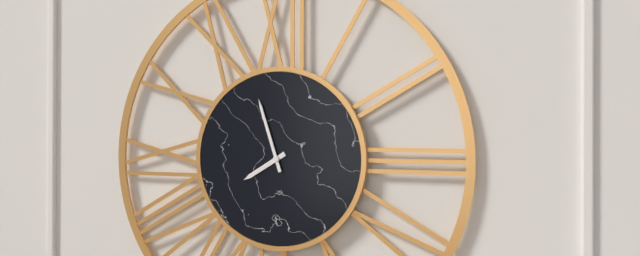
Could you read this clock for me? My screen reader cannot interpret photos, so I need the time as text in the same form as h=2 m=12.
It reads h=7 m=57
